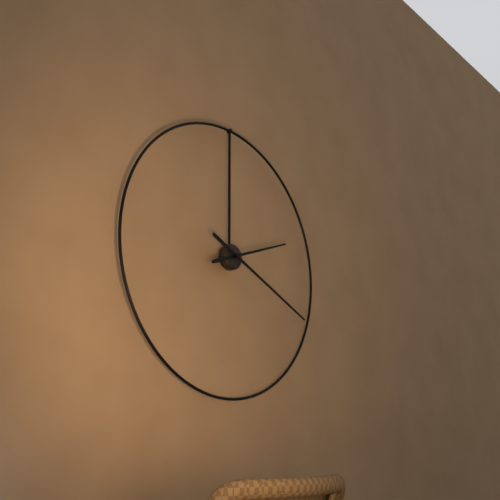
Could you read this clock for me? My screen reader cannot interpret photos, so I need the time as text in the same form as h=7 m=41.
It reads h=2 m=19
